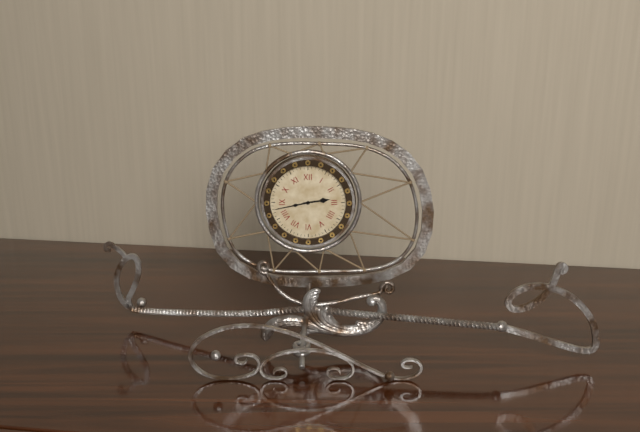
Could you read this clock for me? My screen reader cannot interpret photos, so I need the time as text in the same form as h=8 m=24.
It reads h=2 m=43
